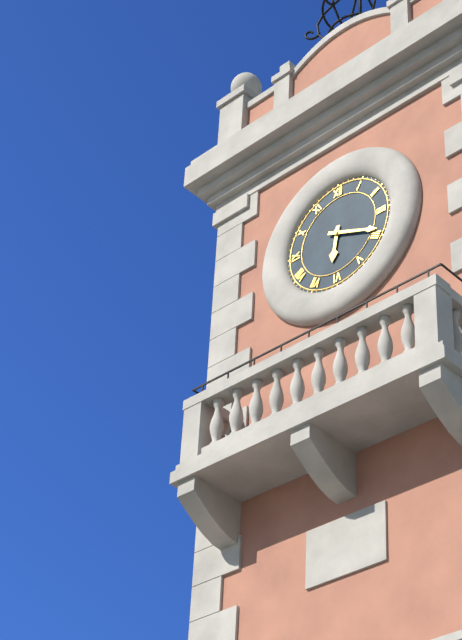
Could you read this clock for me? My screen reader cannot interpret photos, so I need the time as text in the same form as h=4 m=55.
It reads h=6 m=19
